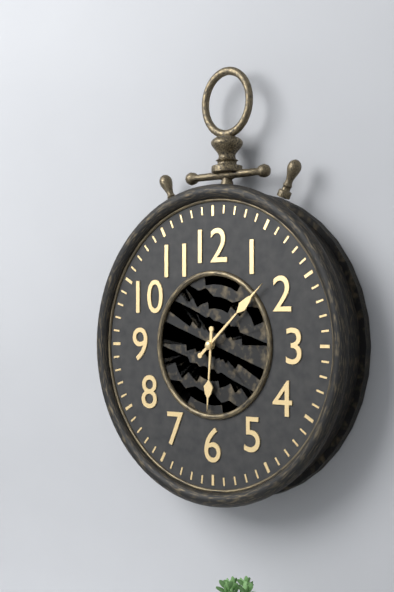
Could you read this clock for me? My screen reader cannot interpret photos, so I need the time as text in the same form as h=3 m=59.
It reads h=6 m=8
